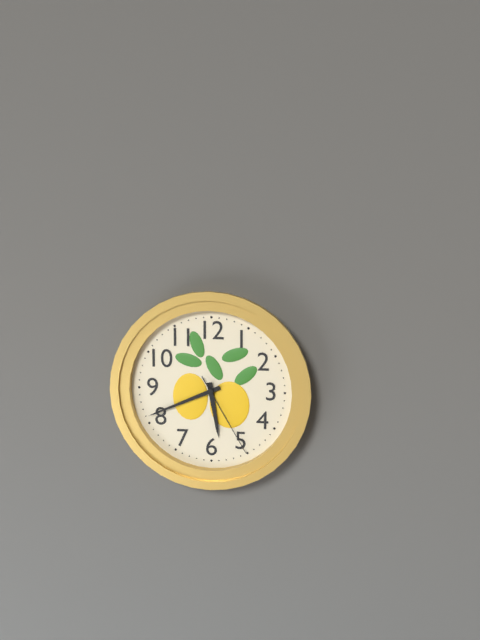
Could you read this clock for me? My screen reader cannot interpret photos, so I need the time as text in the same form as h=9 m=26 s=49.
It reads h=5 m=41 s=25
